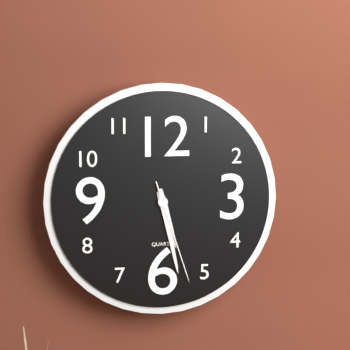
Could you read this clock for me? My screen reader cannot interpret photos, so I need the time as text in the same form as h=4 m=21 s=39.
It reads h=5 m=28 s=27
